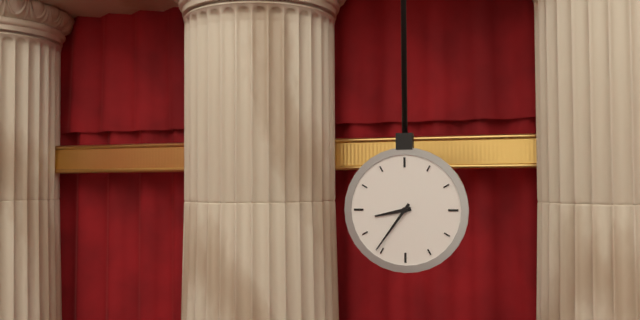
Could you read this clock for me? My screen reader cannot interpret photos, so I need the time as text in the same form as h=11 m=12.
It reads h=8 m=36
